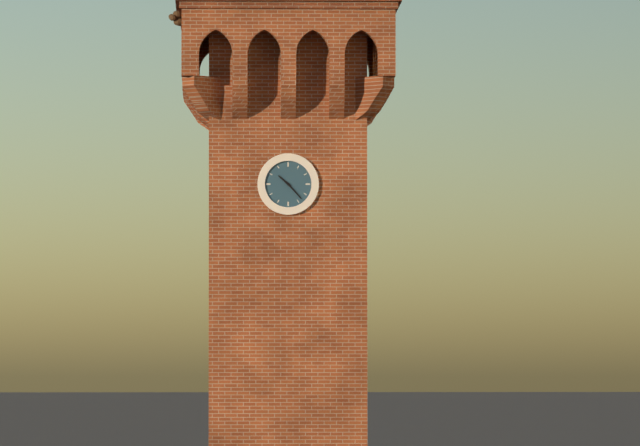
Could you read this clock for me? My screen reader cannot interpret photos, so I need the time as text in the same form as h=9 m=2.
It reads h=10 m=23
